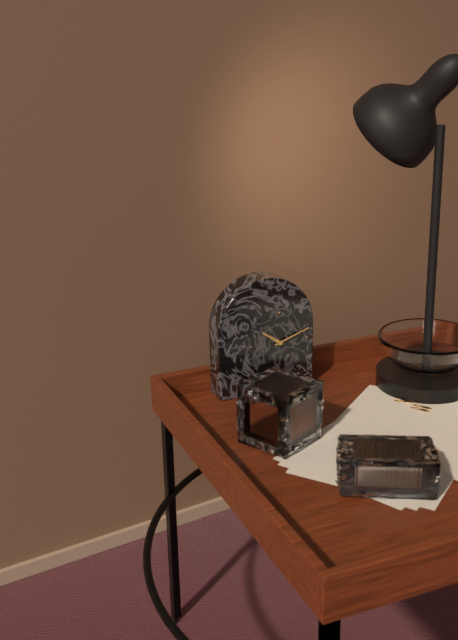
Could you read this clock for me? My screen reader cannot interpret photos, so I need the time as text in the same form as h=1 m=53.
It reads h=10 m=12
